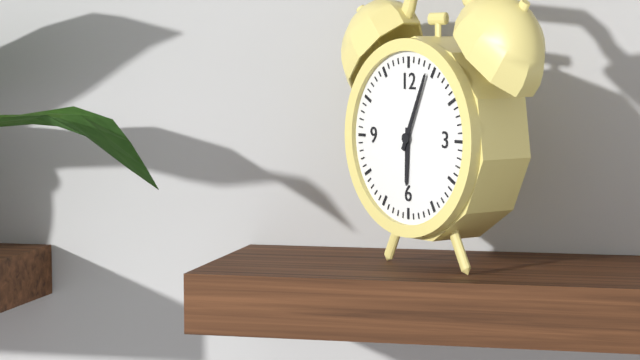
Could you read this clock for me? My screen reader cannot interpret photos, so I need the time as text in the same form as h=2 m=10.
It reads h=6 m=4
